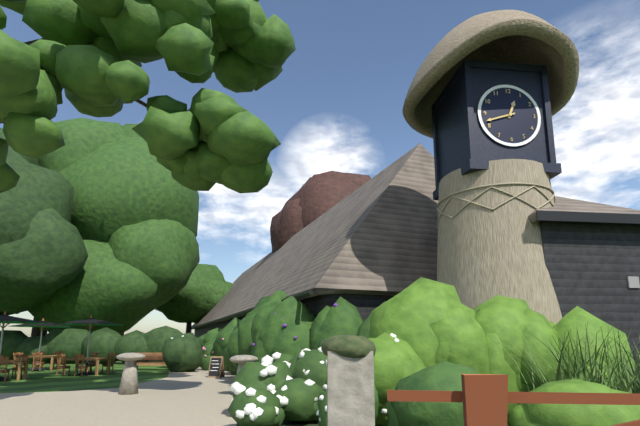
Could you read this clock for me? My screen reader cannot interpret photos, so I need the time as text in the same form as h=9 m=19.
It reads h=12 m=42
